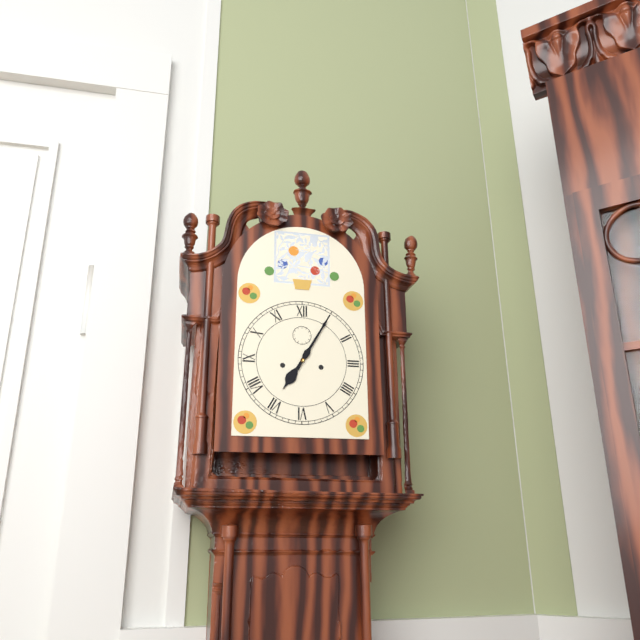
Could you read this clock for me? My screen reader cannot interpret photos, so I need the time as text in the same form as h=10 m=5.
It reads h=7 m=5
